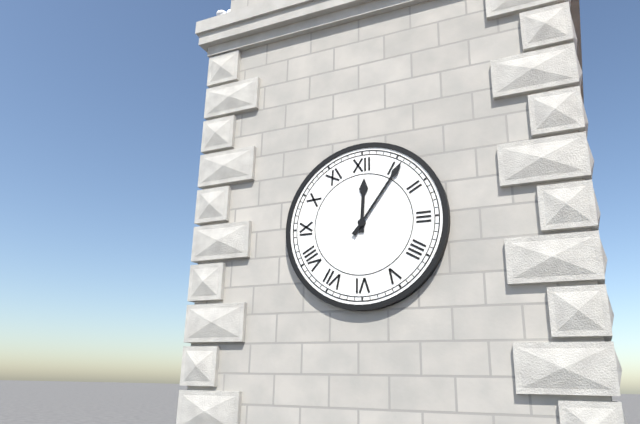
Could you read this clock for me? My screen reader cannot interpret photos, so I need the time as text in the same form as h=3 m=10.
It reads h=12 m=6
